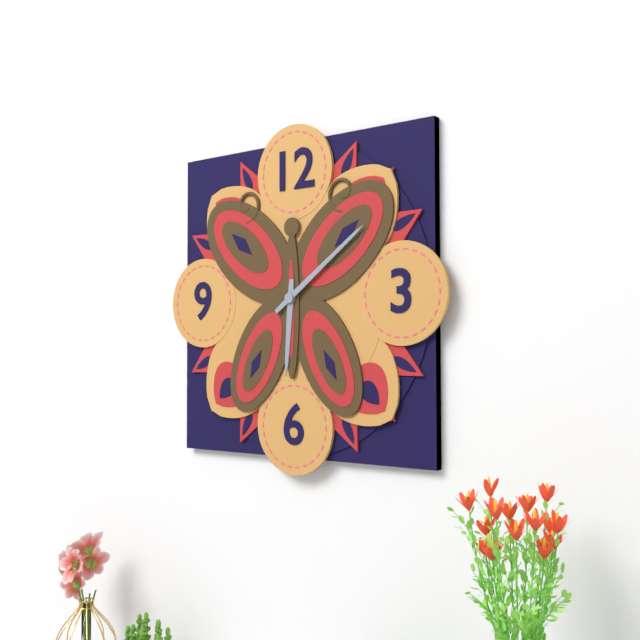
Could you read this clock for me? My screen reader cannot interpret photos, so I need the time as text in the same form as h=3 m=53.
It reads h=6 m=9
